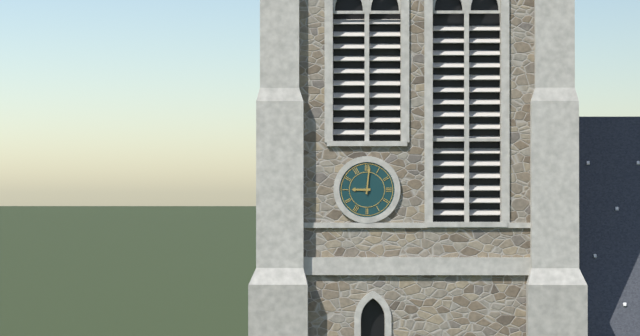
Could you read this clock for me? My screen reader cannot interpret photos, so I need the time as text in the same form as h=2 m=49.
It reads h=9 m=1
